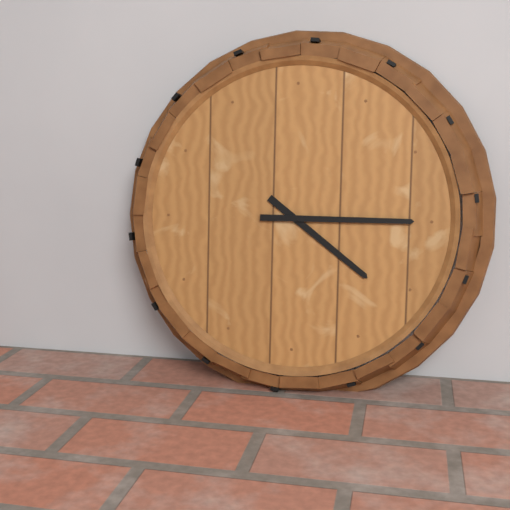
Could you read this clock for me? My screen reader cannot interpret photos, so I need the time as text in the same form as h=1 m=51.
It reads h=4 m=15
